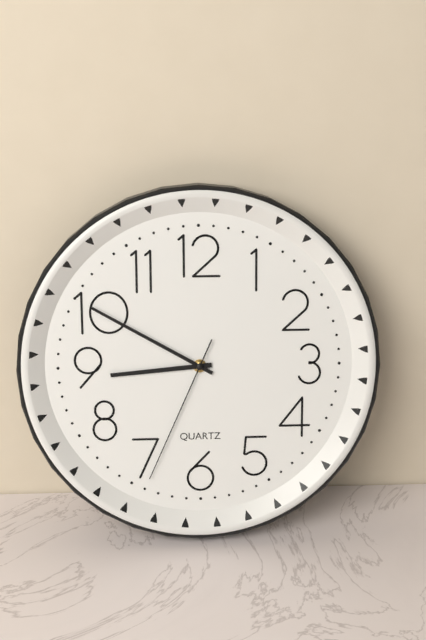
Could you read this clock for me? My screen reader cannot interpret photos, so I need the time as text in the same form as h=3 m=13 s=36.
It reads h=8 m=50 s=34
